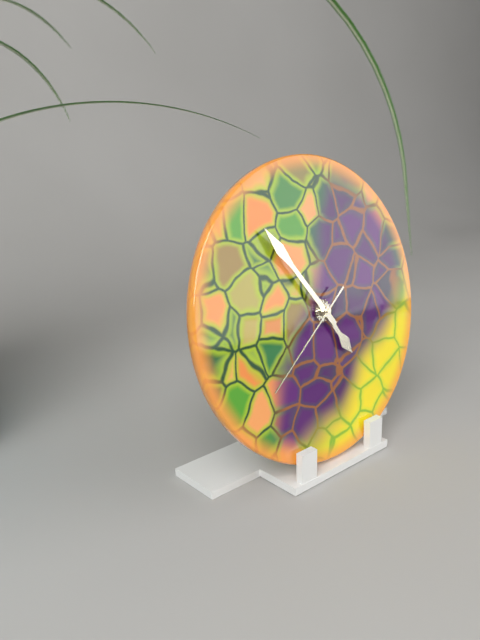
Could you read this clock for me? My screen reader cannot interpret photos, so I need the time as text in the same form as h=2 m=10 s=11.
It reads h=4 m=54 s=39
